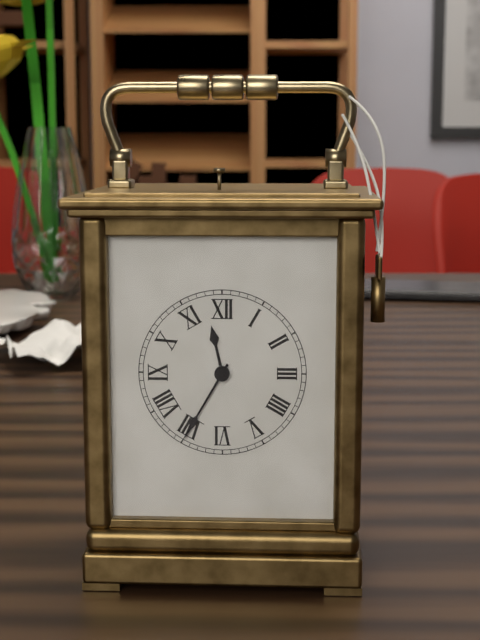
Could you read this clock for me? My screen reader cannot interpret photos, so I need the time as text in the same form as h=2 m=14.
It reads h=11 m=35
